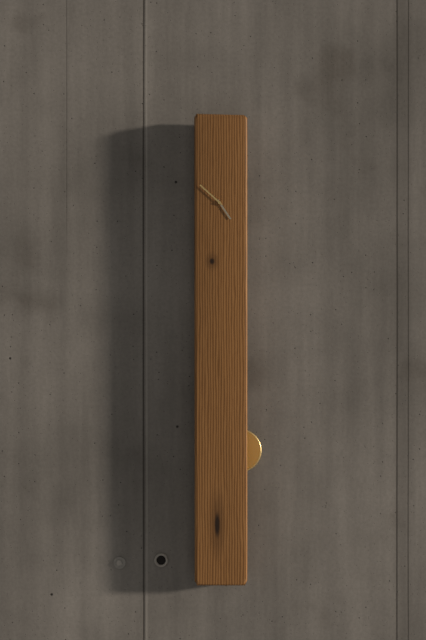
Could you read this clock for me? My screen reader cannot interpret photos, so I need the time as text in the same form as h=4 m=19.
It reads h=4 m=52
